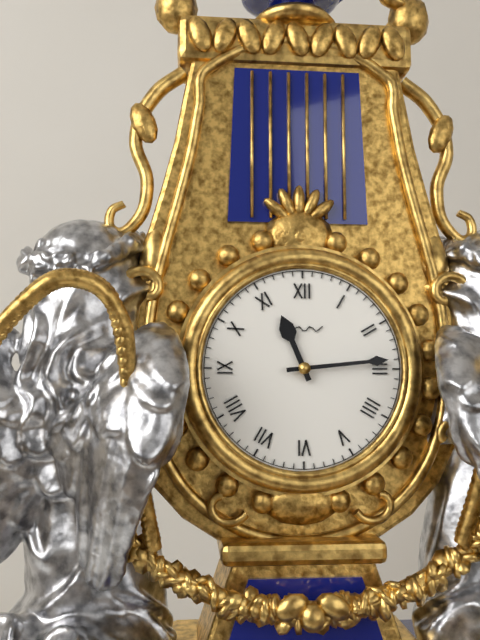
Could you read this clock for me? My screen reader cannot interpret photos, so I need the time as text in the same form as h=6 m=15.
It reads h=11 m=14
